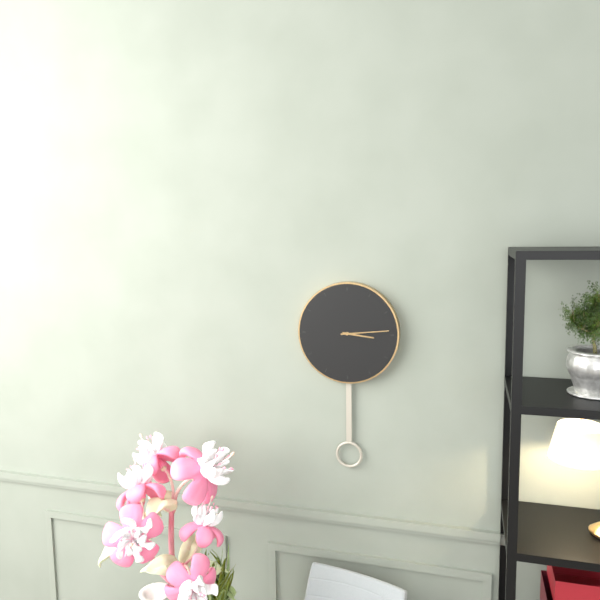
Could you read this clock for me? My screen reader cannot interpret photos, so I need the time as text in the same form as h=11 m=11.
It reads h=3 m=14
